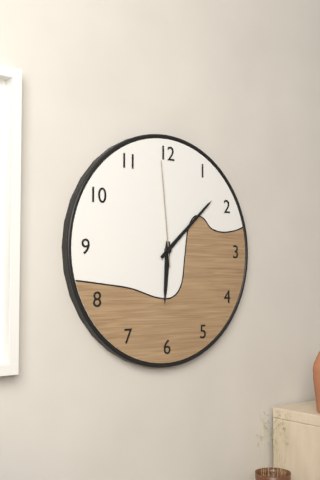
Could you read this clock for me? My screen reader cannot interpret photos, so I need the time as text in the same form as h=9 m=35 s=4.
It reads h=6 m=8 s=59
